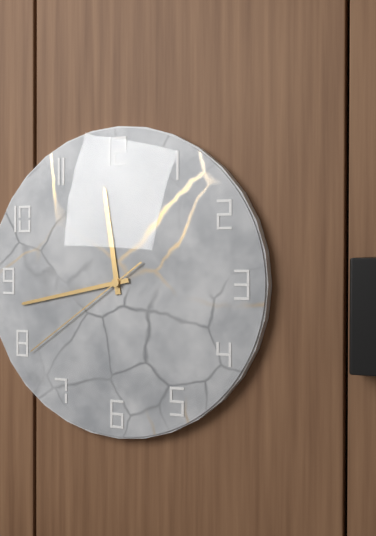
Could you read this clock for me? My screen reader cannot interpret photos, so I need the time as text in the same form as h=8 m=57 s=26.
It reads h=11 m=43 s=39
